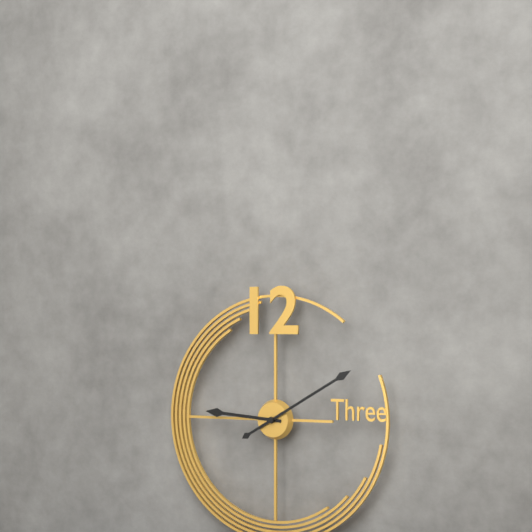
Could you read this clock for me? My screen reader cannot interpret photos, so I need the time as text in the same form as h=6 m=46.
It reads h=9 m=10
